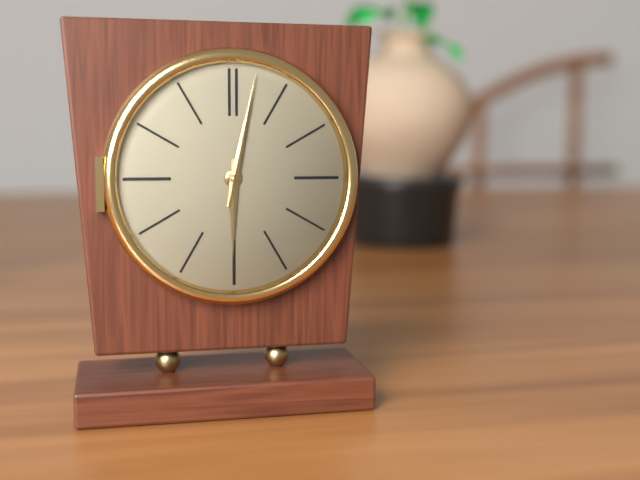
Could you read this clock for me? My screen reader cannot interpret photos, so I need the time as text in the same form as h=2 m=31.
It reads h=6 m=2
